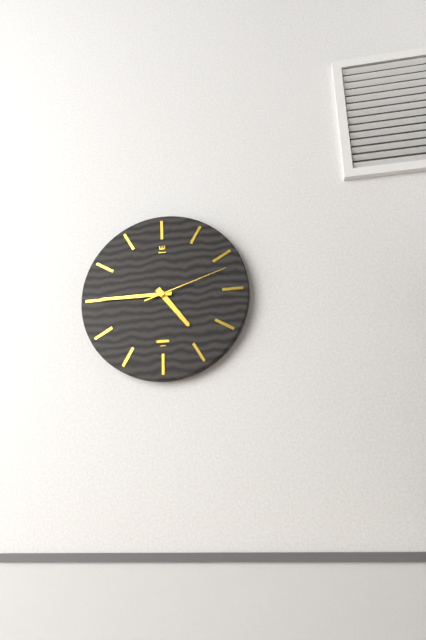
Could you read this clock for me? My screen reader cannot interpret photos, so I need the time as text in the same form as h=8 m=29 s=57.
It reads h=4 m=45 s=12
